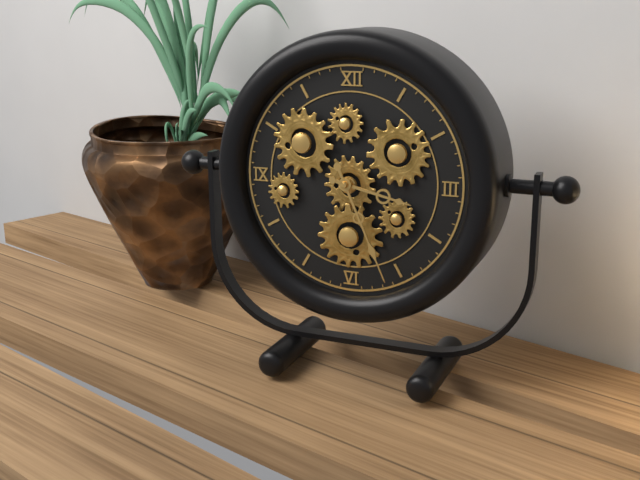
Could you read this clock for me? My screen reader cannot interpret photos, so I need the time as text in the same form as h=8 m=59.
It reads h=3 m=26
